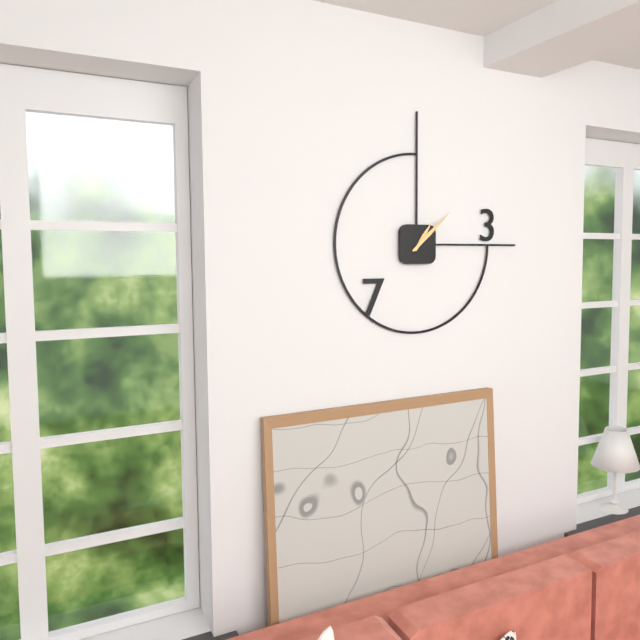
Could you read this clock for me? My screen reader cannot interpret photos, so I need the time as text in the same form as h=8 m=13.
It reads h=1 m=8
